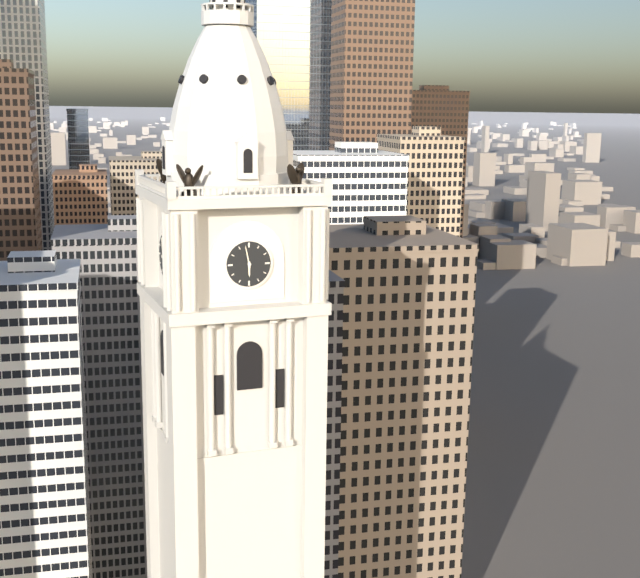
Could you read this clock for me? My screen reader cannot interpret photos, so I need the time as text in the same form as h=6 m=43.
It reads h=5 m=58
